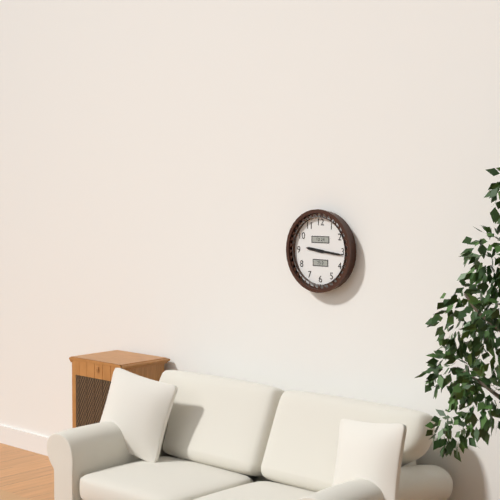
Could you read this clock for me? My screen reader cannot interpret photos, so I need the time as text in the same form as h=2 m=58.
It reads h=9 m=16
